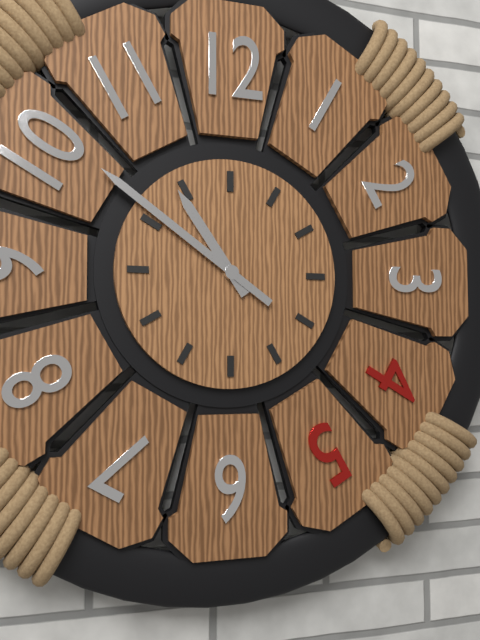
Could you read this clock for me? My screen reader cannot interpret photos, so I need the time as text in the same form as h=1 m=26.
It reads h=10 m=51
